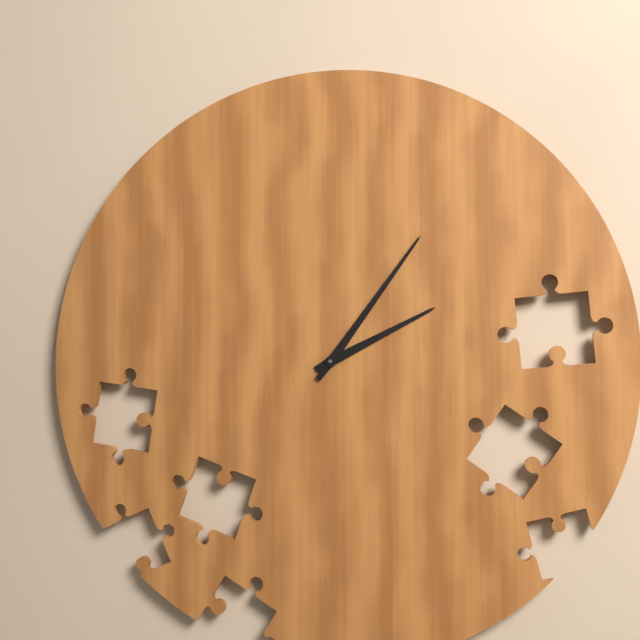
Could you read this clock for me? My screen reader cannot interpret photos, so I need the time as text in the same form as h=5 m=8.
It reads h=2 m=6
